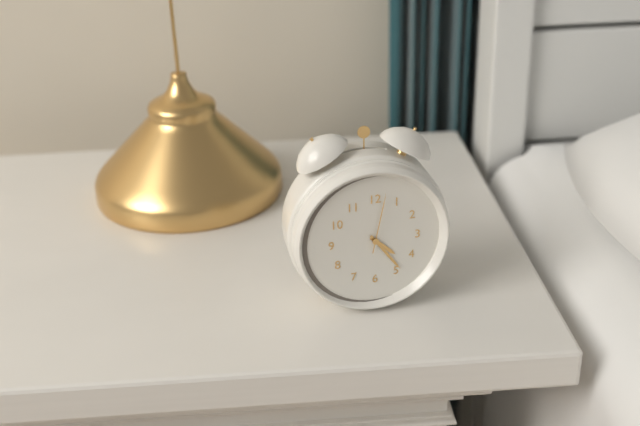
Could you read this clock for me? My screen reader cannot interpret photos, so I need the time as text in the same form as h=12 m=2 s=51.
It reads h=4 m=24 s=2
